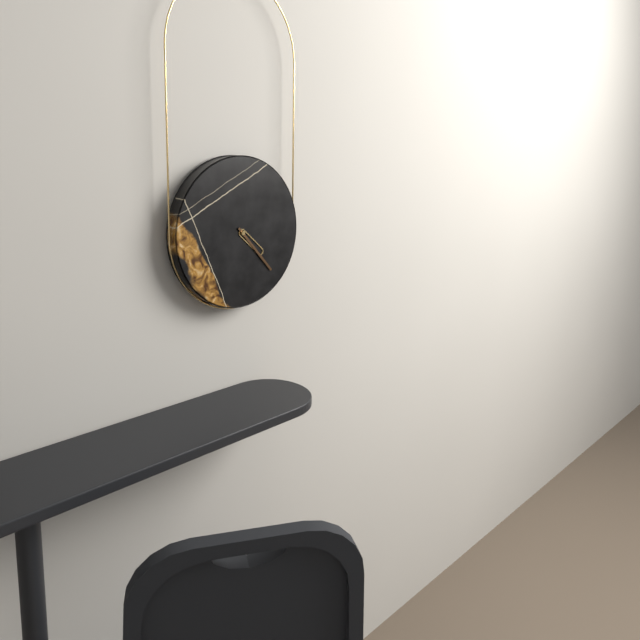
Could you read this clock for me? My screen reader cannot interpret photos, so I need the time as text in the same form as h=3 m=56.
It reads h=4 m=23
